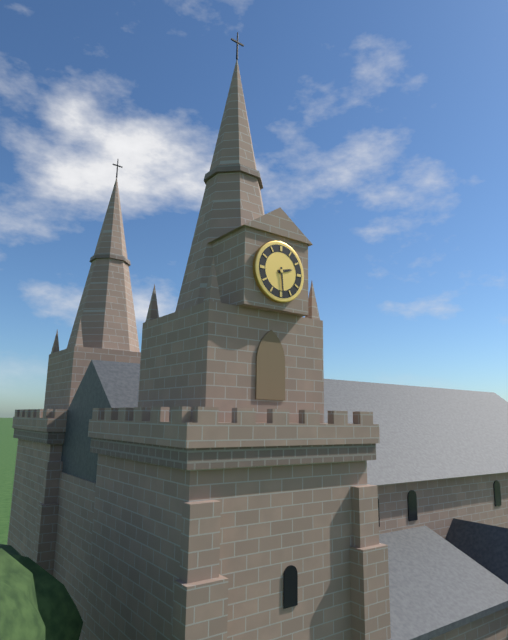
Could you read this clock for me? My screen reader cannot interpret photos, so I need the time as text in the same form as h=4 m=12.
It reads h=2 m=29
